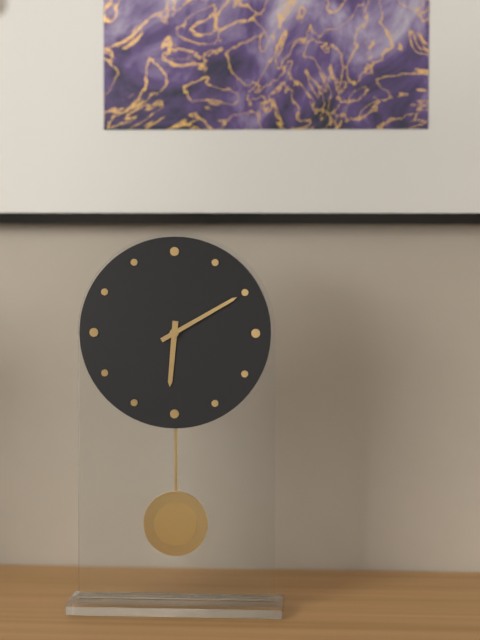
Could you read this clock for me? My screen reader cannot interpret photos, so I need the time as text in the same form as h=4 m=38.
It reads h=6 m=10
